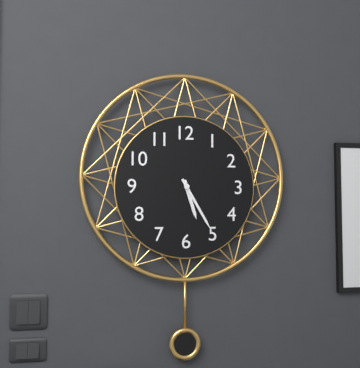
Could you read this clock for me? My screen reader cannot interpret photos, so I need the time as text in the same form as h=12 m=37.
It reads h=5 m=25
